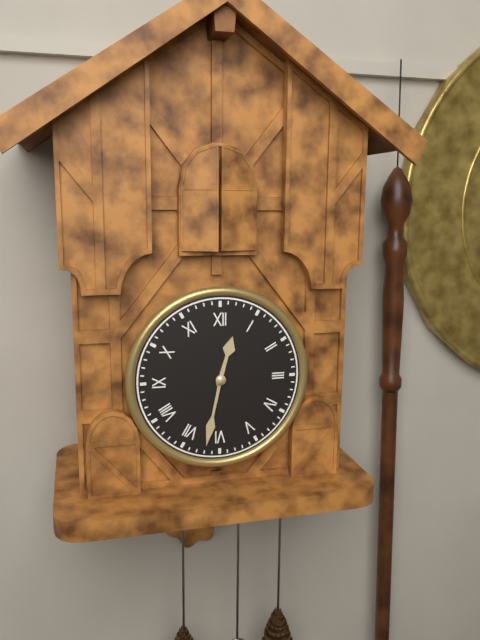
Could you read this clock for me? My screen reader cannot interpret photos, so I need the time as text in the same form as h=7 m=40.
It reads h=12 m=32
